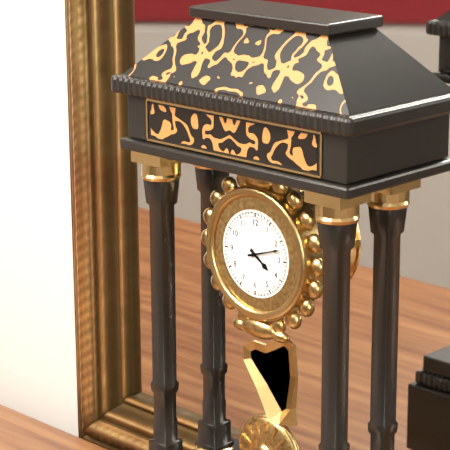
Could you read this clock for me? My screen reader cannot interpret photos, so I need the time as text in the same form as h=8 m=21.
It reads h=4 m=12
